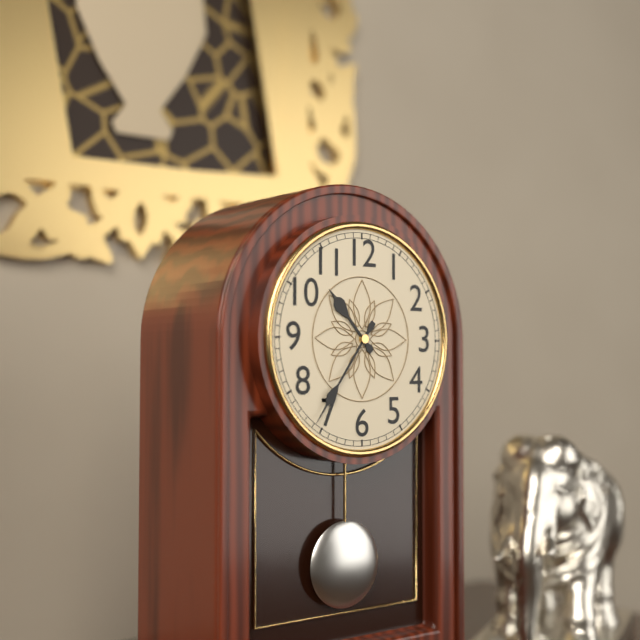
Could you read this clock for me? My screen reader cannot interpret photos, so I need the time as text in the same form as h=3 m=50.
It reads h=10 m=36
